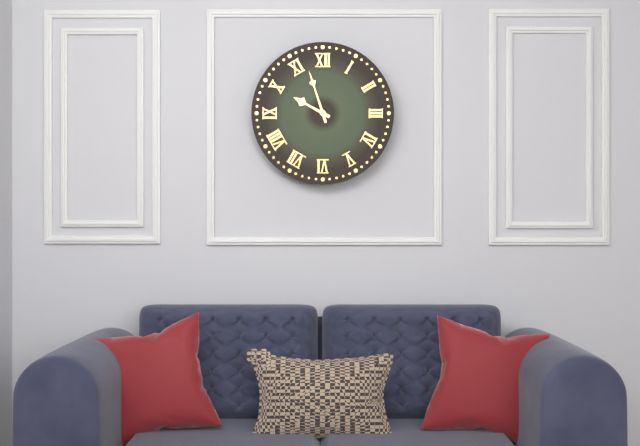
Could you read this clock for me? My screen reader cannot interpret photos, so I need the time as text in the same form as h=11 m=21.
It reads h=9 m=57
